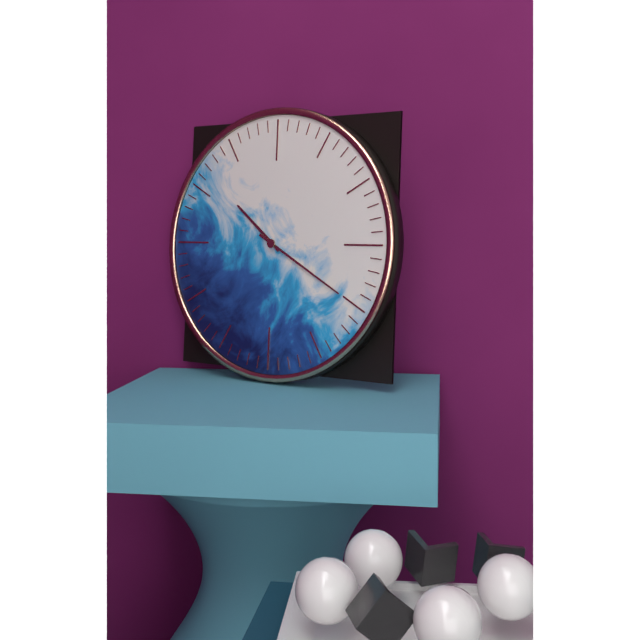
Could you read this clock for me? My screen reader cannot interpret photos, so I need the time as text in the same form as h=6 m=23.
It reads h=10 m=20
